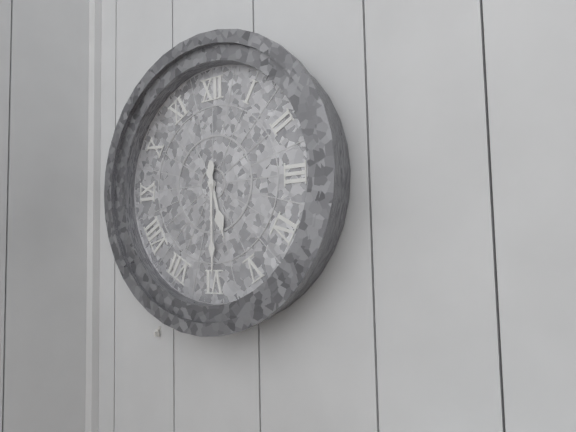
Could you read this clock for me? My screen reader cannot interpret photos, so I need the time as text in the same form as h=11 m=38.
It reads h=5 m=30
